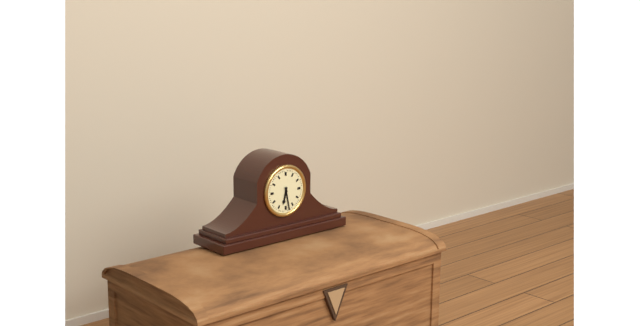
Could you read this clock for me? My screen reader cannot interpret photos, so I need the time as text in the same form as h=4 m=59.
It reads h=6 m=28
